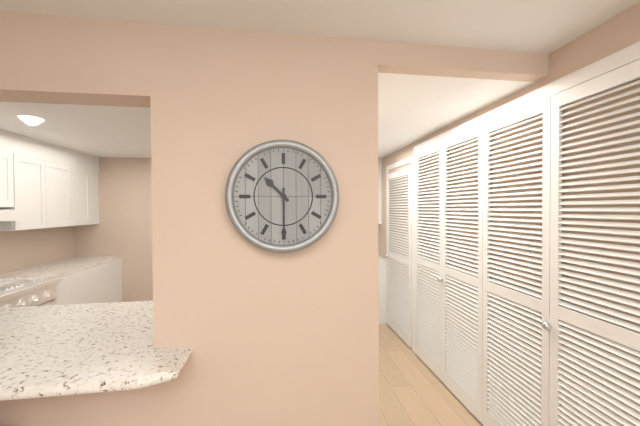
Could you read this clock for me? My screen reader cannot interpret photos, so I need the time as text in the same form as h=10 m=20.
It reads h=10 m=30
